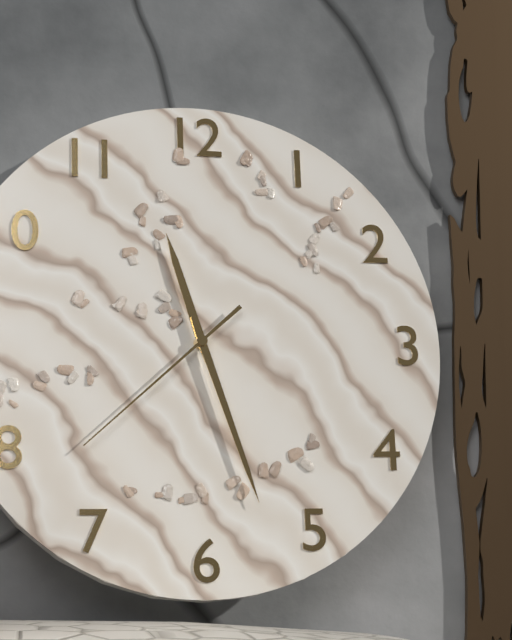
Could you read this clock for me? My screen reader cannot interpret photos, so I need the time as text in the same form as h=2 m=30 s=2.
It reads h=11 m=27 s=38
